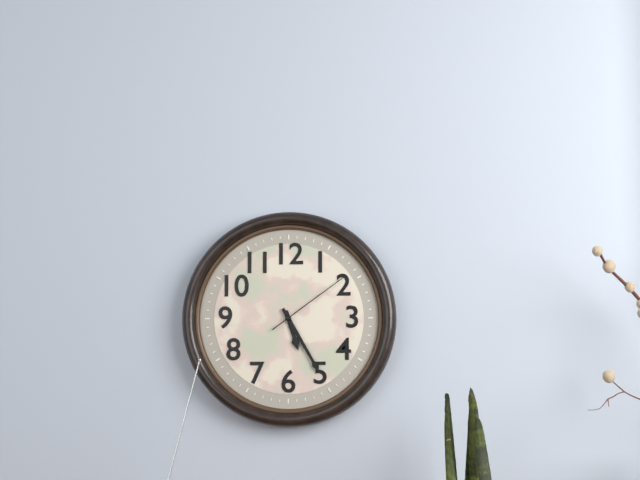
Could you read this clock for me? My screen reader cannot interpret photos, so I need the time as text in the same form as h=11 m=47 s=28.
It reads h=5 m=25 s=9
